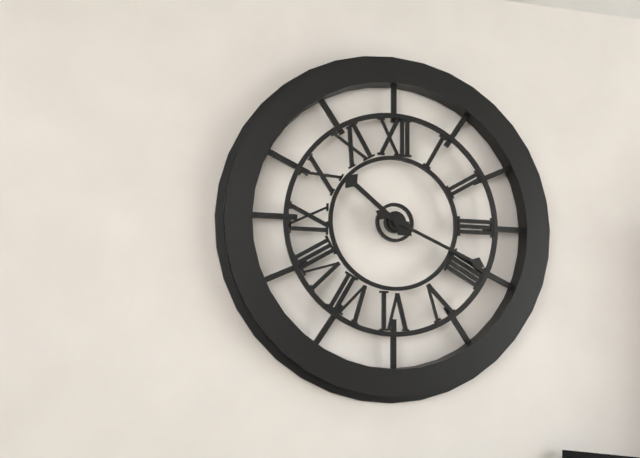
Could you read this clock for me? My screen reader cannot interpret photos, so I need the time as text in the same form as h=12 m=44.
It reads h=10 m=19
